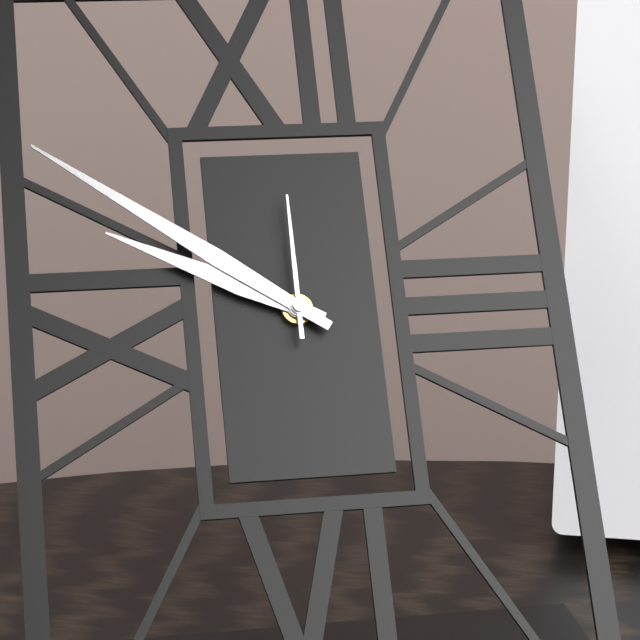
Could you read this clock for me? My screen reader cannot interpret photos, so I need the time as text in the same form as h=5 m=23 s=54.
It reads h=9 m=51 s=0
